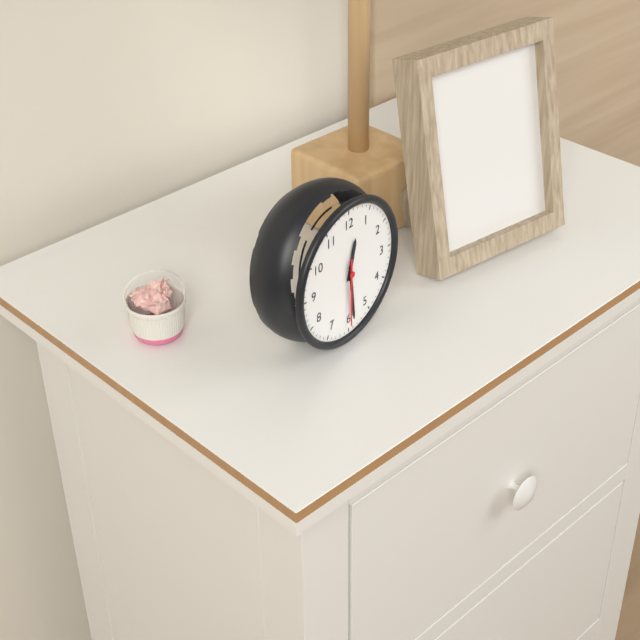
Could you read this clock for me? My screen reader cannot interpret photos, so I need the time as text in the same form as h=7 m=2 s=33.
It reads h=12 m=29 s=30
